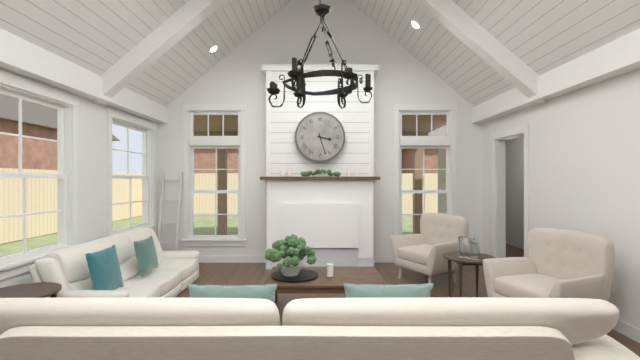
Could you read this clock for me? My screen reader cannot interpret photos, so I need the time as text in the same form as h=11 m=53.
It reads h=3 m=27
